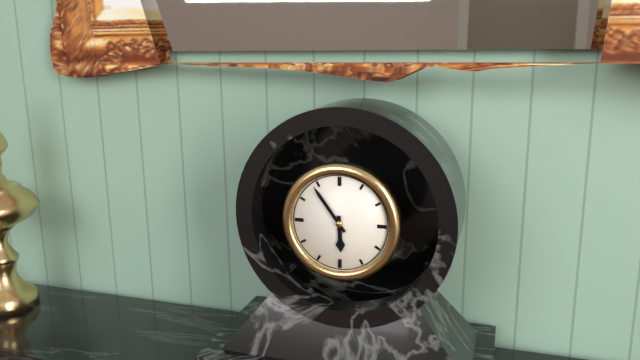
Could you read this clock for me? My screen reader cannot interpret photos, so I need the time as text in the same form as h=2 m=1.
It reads h=5 m=54
